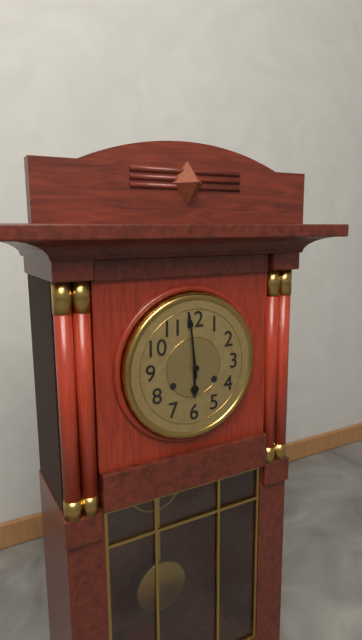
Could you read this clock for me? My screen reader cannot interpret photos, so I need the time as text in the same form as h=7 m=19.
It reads h=5 m=59
